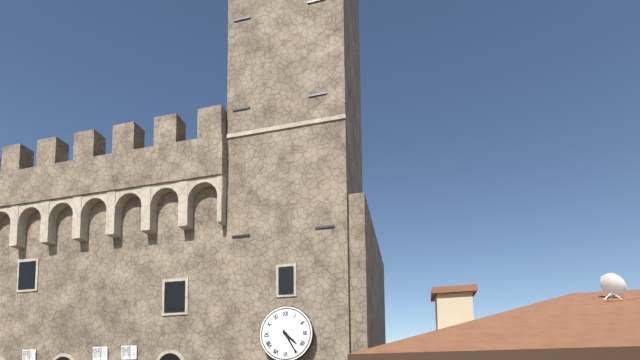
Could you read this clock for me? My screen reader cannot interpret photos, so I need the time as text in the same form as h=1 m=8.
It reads h=4 m=25
